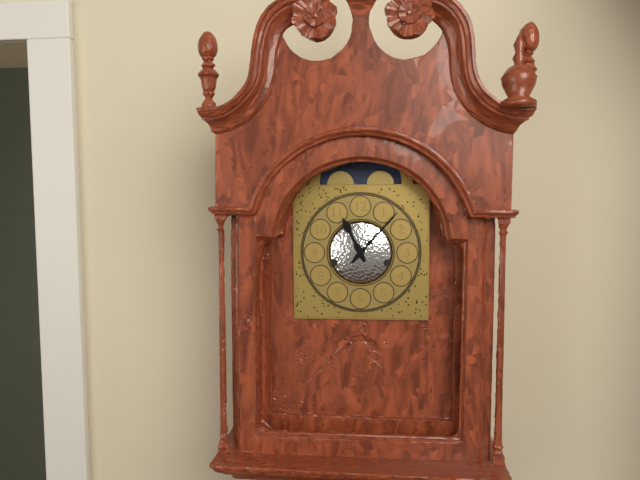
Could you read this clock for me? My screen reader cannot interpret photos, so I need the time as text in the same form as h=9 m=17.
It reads h=11 m=7
